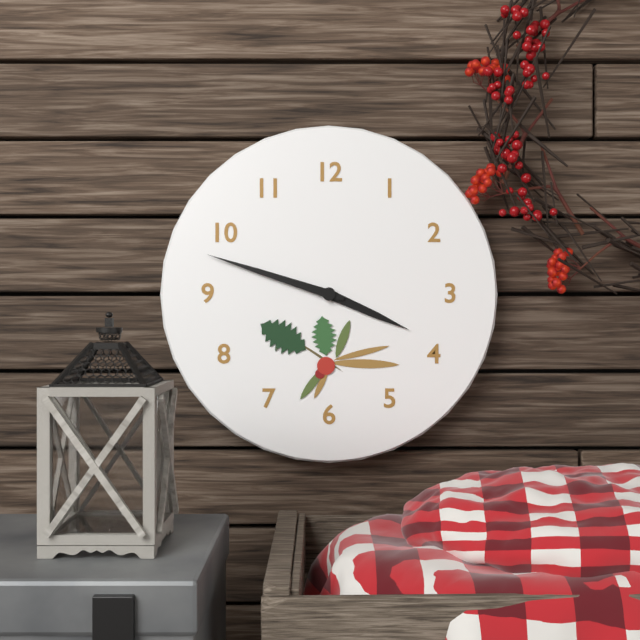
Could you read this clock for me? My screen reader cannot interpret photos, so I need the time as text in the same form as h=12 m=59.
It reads h=3 m=48
